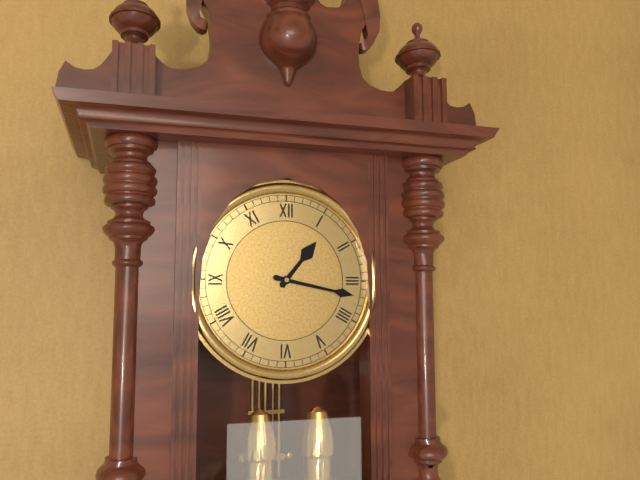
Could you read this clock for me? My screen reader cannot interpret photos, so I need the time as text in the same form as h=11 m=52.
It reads h=1 m=17
